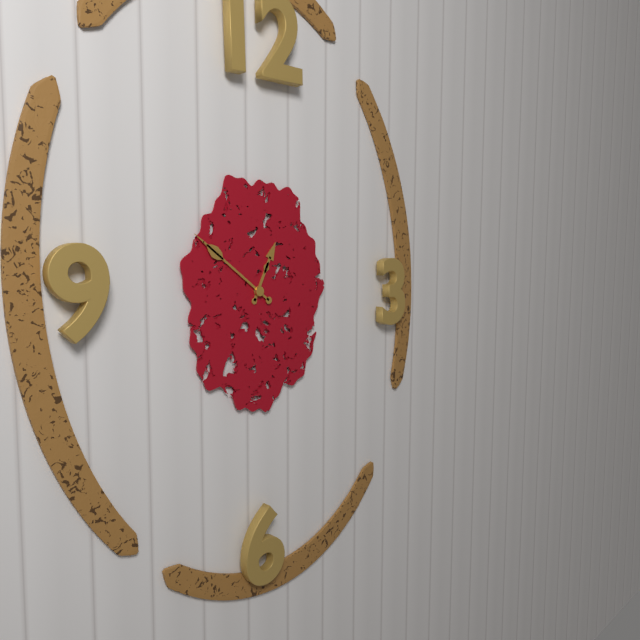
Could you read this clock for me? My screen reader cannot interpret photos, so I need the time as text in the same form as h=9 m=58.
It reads h=12 m=51
